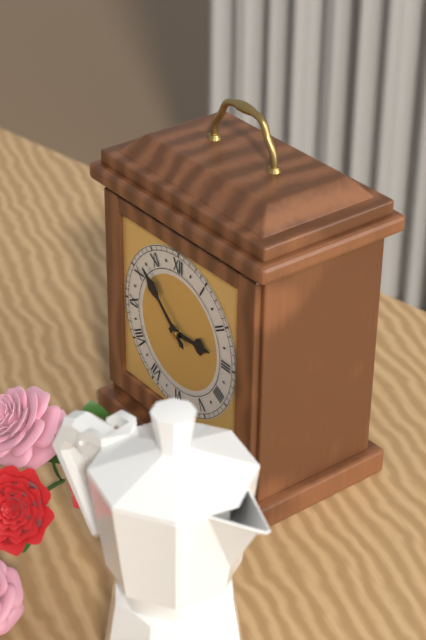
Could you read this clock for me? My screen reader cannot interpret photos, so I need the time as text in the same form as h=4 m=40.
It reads h=2 m=52
